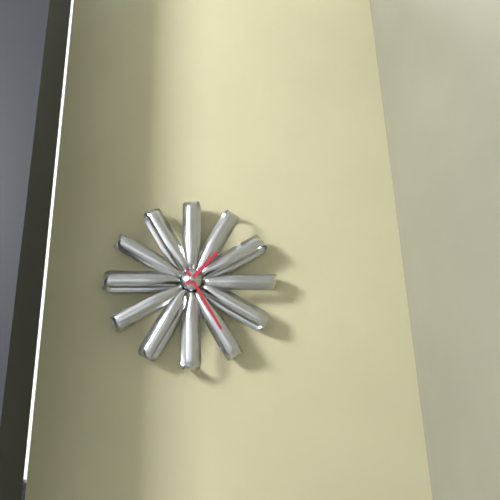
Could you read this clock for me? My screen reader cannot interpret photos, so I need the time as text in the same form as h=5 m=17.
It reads h=1 m=25
